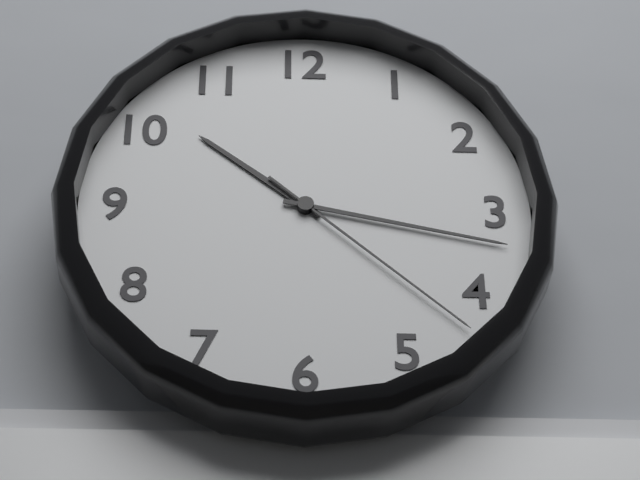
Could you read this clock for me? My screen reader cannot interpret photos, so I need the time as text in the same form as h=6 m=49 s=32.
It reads h=10 m=17 s=22
